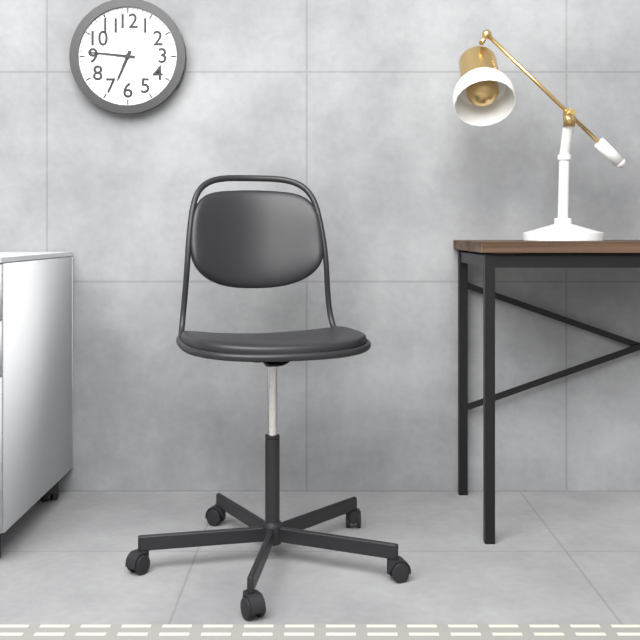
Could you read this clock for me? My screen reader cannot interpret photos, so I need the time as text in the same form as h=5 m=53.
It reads h=6 m=46
